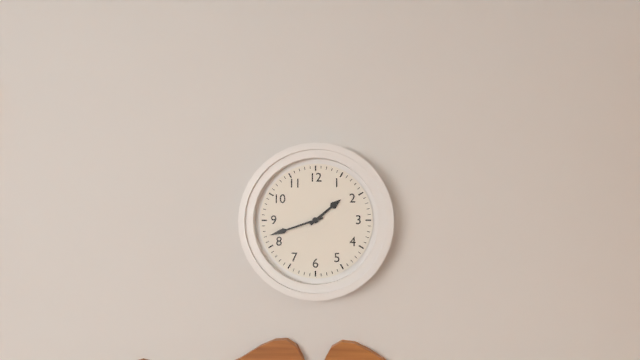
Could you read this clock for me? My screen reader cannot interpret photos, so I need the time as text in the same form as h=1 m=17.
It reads h=1 m=42
